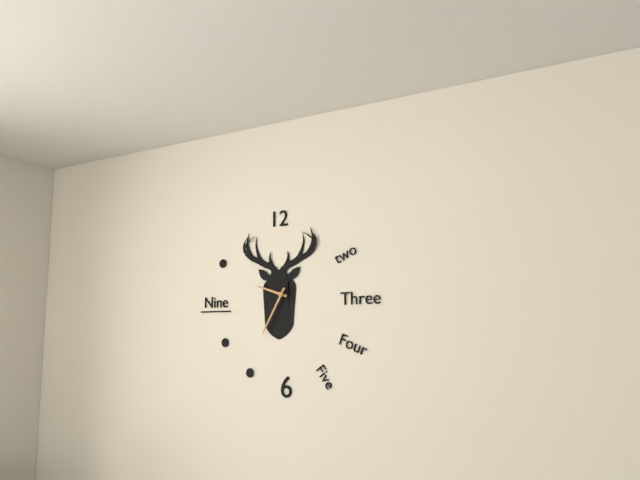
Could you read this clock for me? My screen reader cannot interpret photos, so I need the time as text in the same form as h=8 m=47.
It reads h=9 m=35
